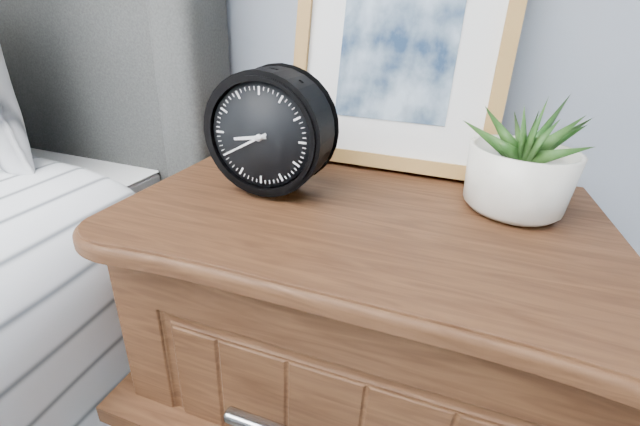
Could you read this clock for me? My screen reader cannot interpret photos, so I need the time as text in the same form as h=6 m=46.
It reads h=8 m=40
